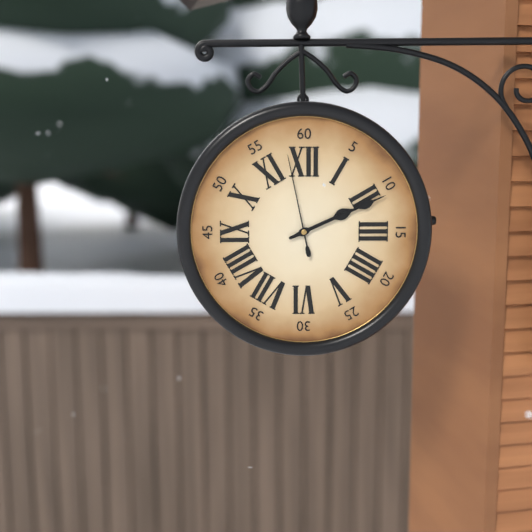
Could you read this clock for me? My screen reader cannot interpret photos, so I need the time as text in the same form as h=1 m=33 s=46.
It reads h=2 m=11 s=58
